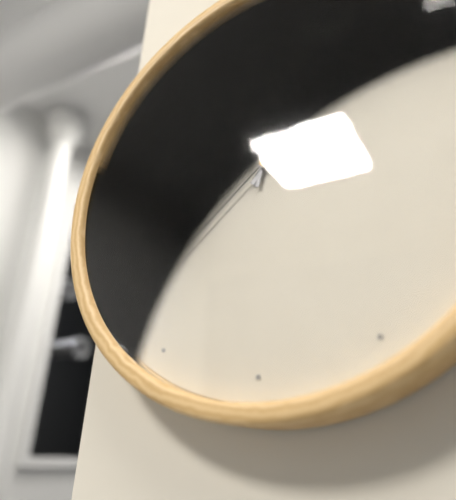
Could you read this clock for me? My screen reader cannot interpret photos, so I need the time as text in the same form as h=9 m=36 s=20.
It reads h=1 m=2 s=38
